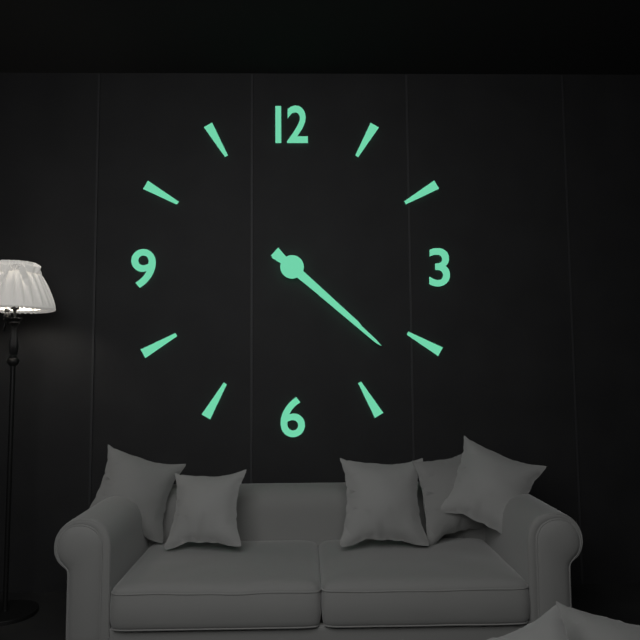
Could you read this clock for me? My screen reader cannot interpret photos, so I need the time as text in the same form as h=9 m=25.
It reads h=4 m=22
